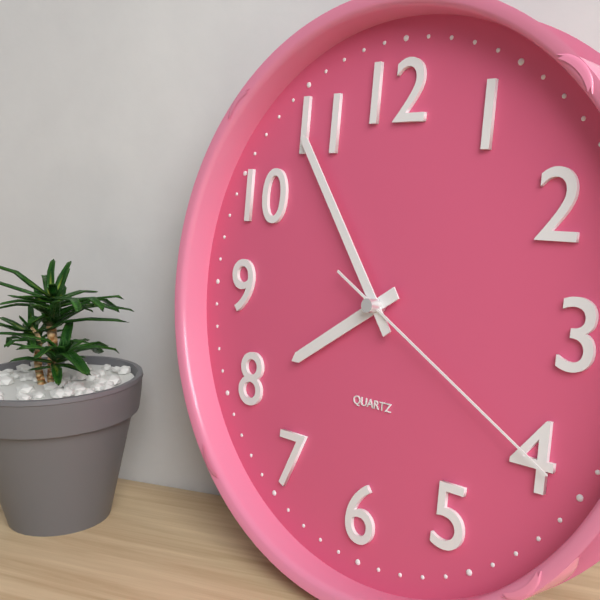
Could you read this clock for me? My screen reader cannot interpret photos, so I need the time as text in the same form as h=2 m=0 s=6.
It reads h=7 m=54 s=20
